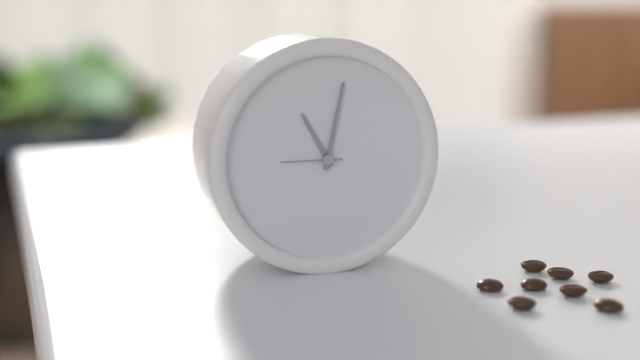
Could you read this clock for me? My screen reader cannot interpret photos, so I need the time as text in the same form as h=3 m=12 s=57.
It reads h=11 m=2 s=45
